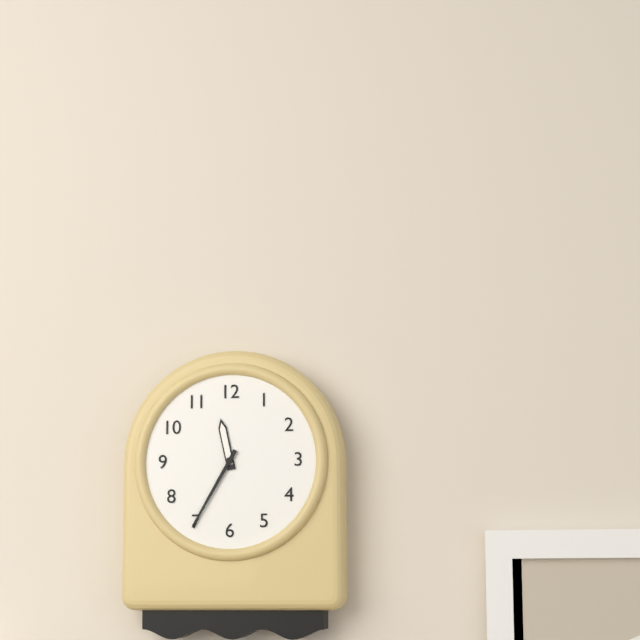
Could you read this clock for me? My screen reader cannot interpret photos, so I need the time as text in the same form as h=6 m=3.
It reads h=11 m=35
